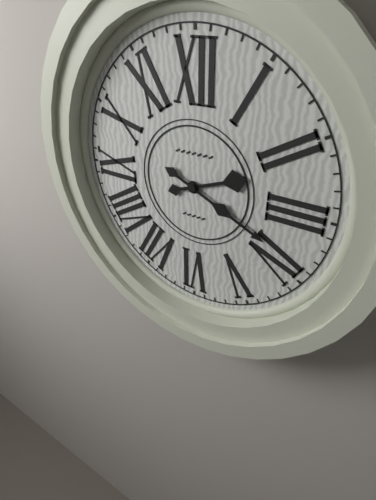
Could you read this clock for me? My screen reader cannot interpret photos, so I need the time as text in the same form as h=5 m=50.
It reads h=2 m=19
